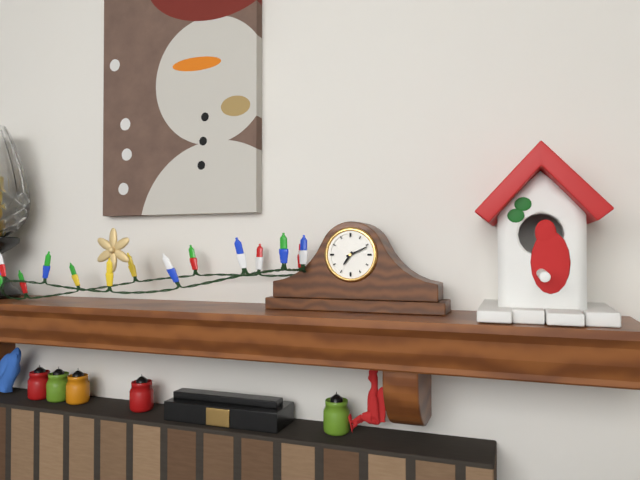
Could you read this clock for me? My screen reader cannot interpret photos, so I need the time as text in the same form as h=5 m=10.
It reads h=7 m=11
